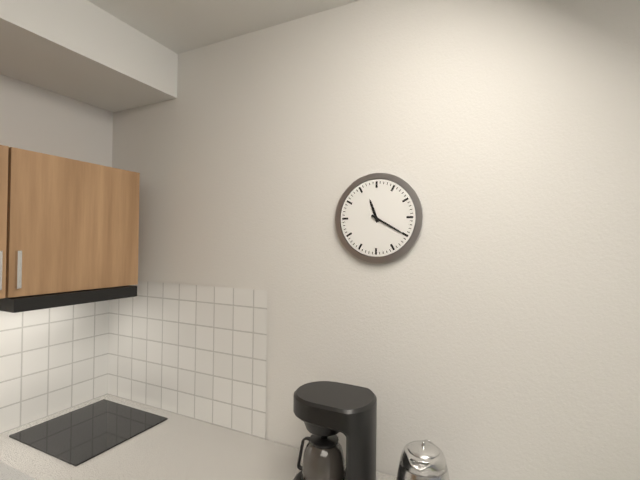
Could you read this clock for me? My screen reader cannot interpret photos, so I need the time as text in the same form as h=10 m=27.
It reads h=11 m=20
